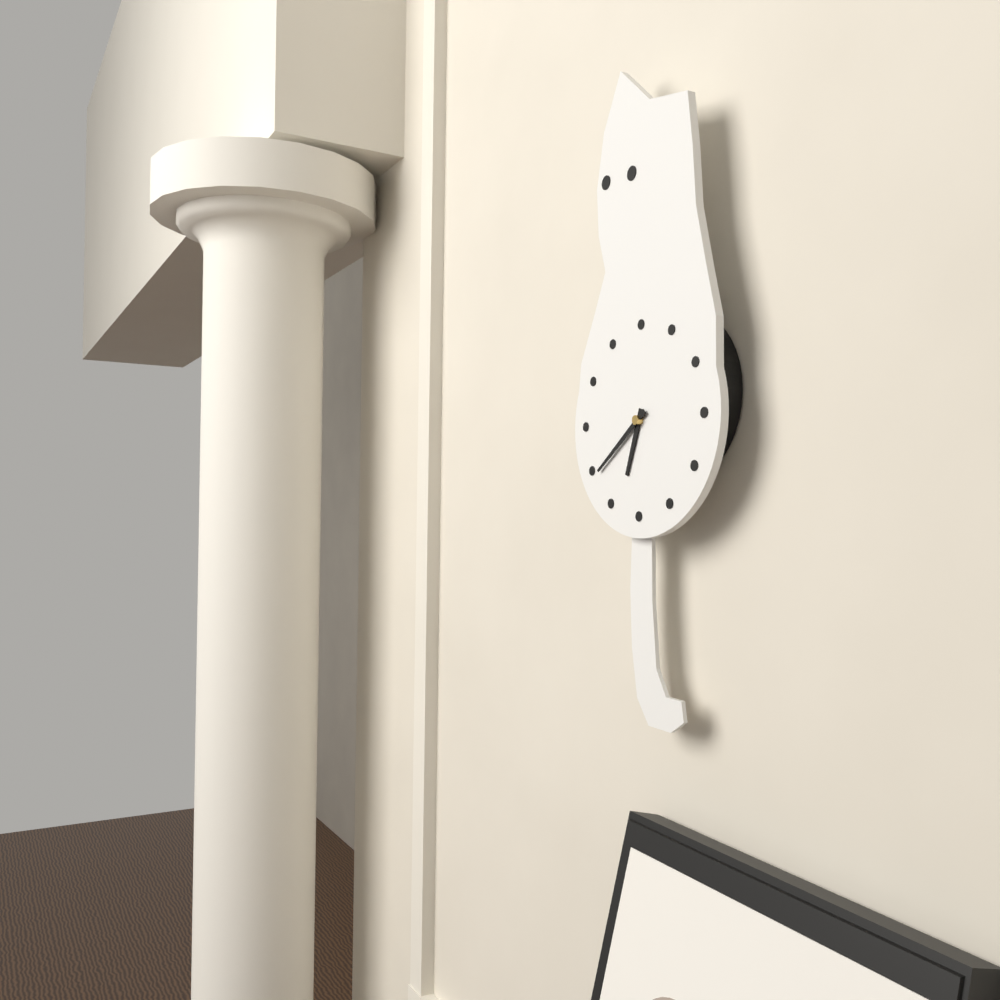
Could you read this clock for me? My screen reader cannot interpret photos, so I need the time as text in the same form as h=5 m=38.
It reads h=6 m=39
